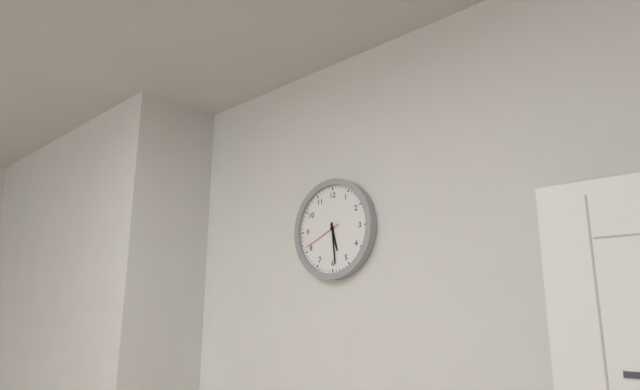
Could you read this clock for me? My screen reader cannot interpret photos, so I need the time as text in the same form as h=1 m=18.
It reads h=5 m=29
